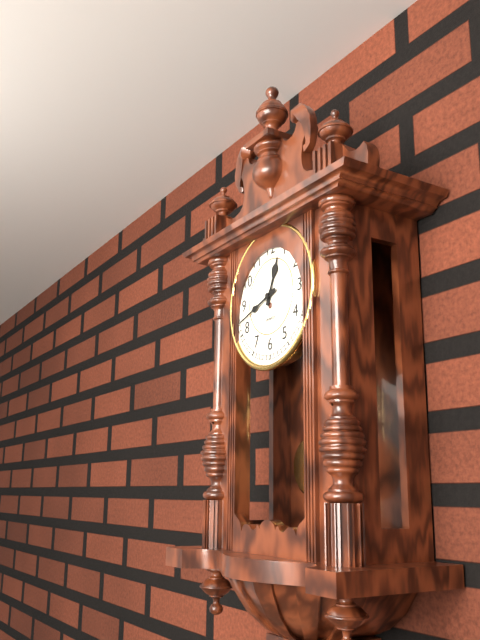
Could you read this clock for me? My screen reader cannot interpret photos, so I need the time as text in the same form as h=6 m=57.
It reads h=12 m=42
